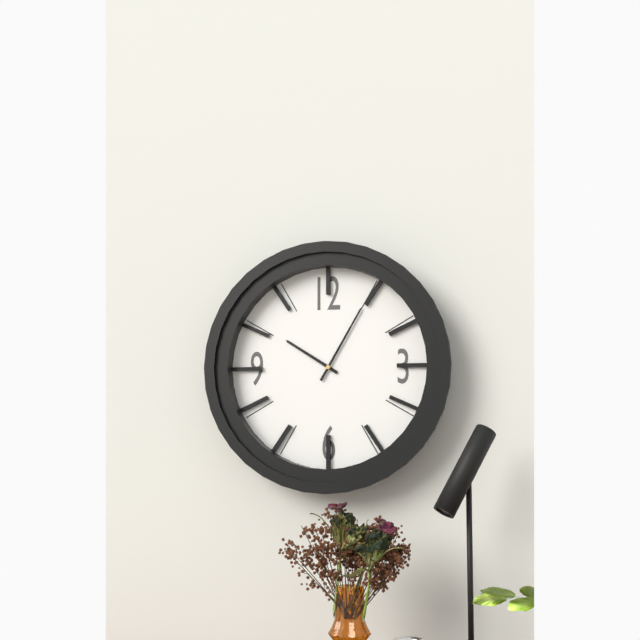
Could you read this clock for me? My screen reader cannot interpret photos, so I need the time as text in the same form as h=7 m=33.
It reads h=10 m=5
